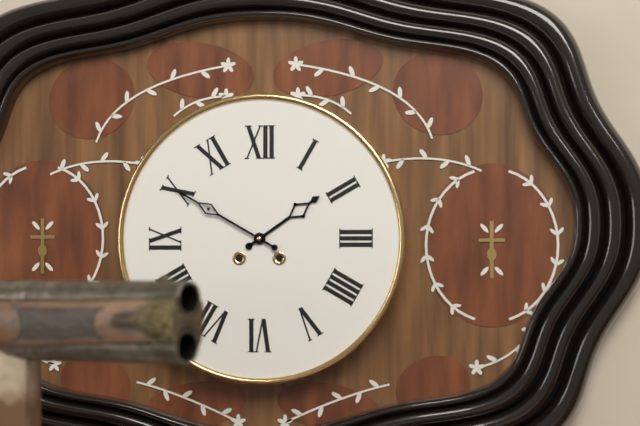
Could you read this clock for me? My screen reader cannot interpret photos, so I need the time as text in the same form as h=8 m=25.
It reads h=1 m=50
